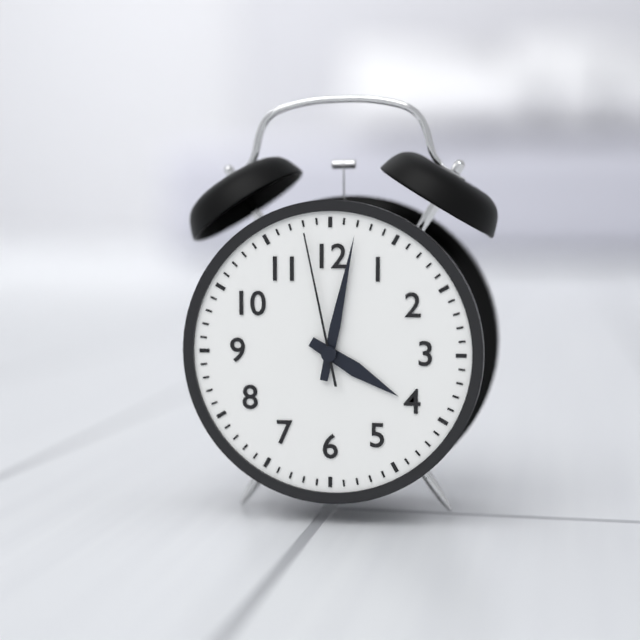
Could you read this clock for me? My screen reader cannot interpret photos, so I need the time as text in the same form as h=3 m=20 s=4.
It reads h=4 m=2 s=58
